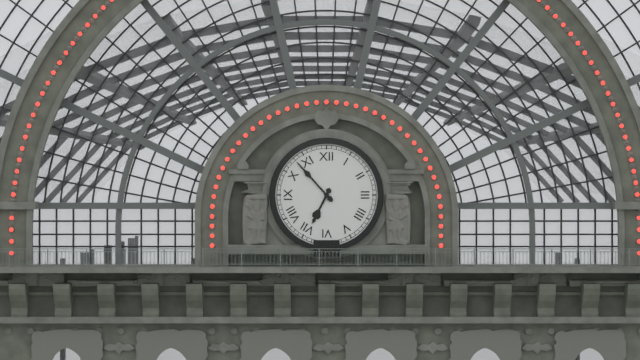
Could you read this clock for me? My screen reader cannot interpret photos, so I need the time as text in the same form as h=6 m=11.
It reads h=6 m=53
